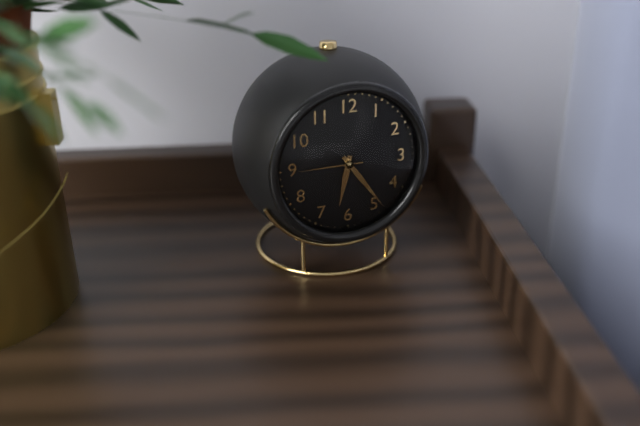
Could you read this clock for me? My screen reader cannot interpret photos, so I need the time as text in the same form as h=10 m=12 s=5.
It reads h=6 m=24 s=45
